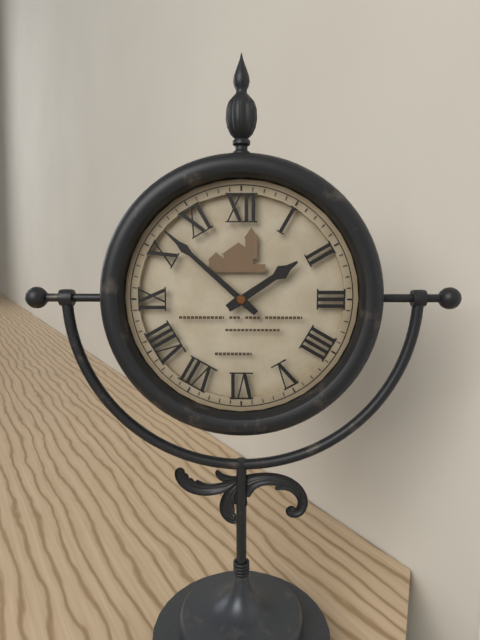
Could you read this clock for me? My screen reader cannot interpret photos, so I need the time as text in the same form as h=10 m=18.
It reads h=1 m=52
